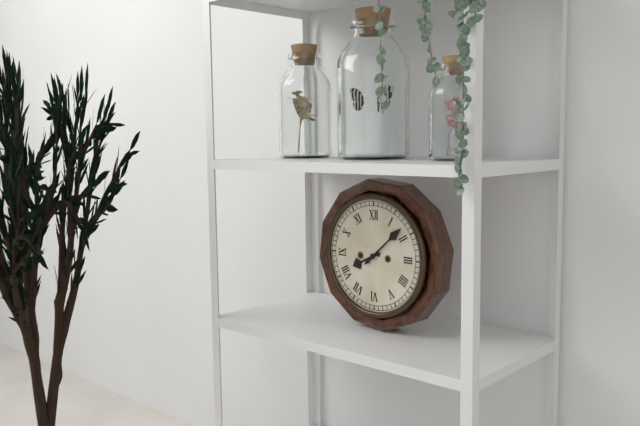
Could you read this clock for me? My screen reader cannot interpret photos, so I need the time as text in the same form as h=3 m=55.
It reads h=8 m=8
